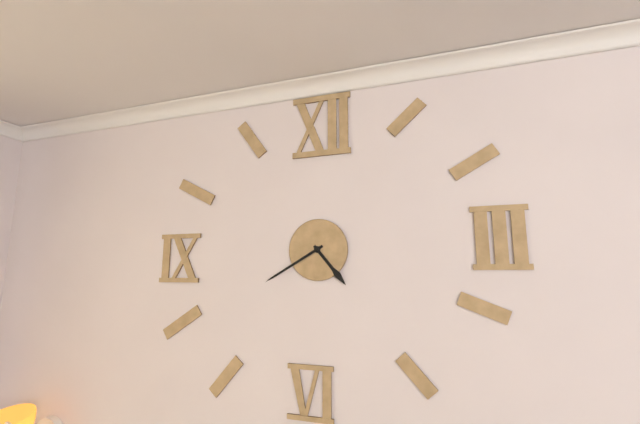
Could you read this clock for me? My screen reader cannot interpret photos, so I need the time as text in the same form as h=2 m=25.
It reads h=4 m=40
